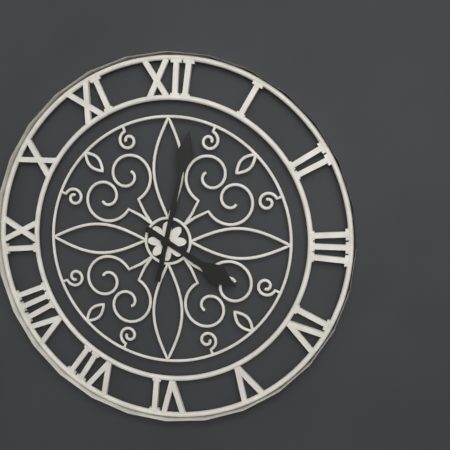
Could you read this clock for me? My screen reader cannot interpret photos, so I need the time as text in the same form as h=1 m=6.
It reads h=4 m=2
